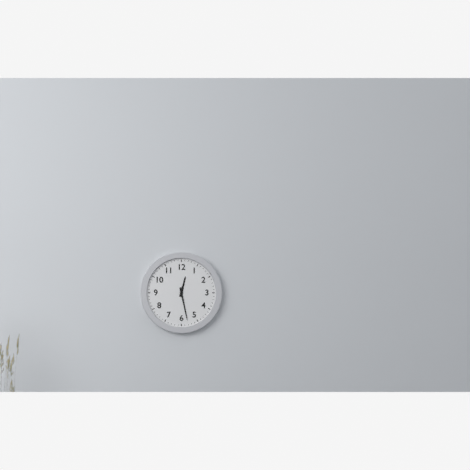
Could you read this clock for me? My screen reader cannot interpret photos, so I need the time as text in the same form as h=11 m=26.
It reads h=12 m=28
